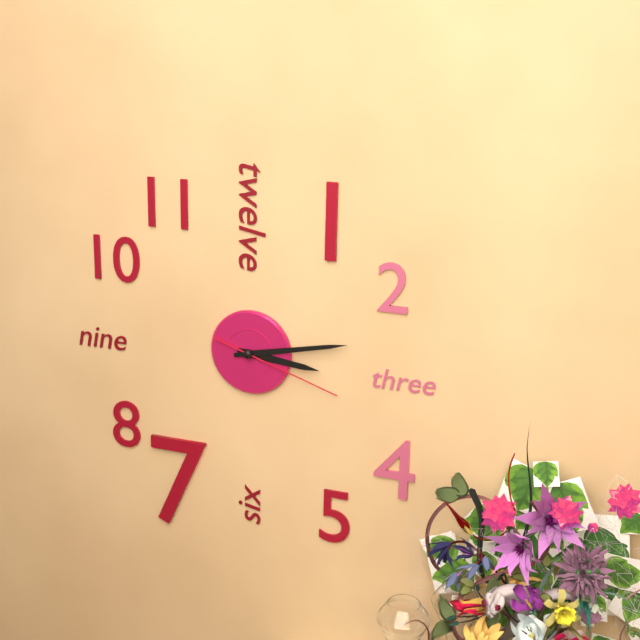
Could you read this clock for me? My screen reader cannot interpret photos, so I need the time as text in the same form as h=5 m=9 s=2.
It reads h=3 m=13 s=18
